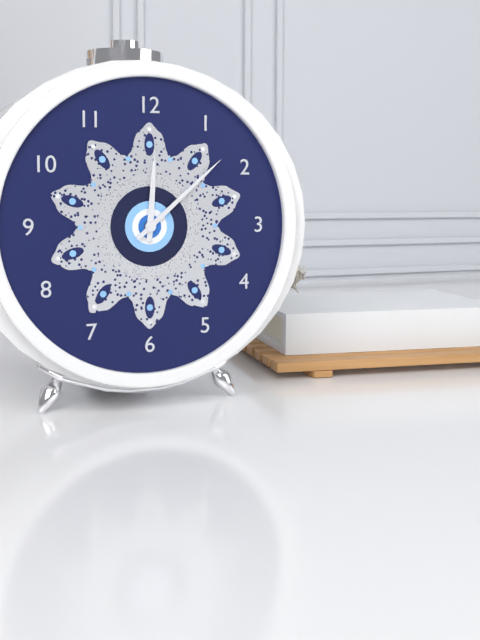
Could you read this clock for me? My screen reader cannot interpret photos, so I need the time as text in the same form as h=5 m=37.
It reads h=12 m=8
